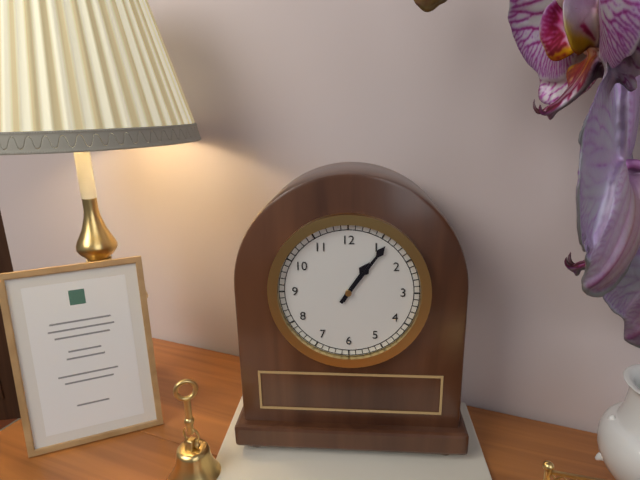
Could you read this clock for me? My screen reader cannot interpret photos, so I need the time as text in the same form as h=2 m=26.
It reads h=1 m=6
